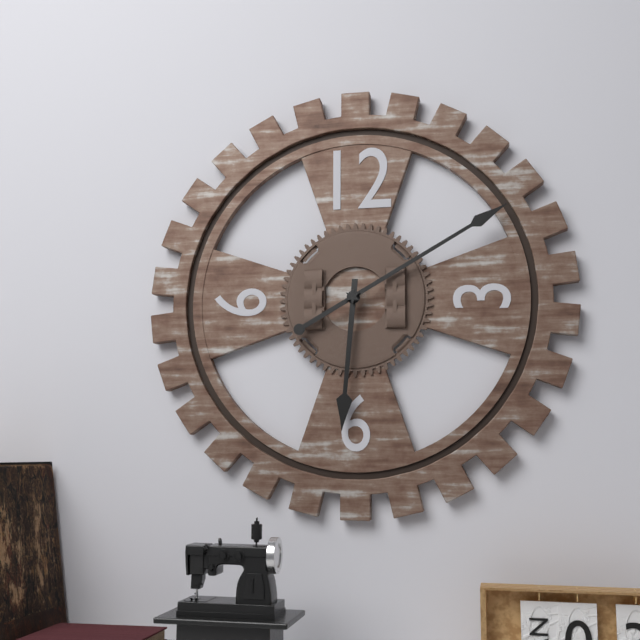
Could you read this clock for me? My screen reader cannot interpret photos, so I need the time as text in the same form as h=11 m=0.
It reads h=6 m=10
